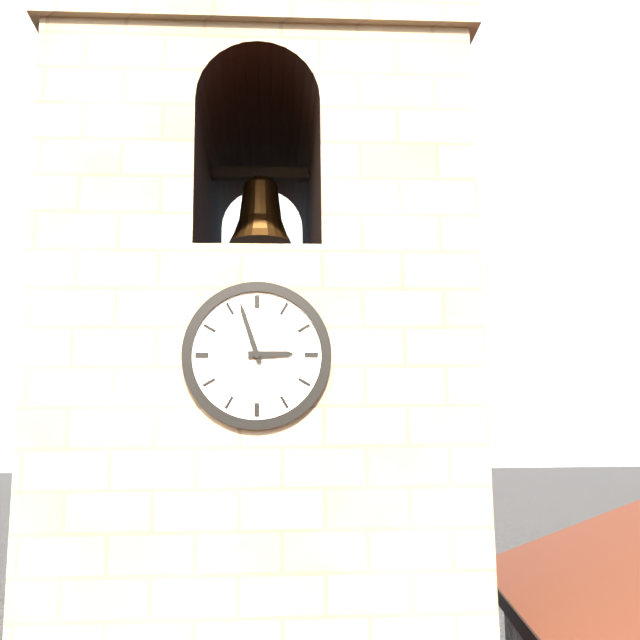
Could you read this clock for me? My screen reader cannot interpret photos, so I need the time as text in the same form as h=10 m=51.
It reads h=2 m=57
